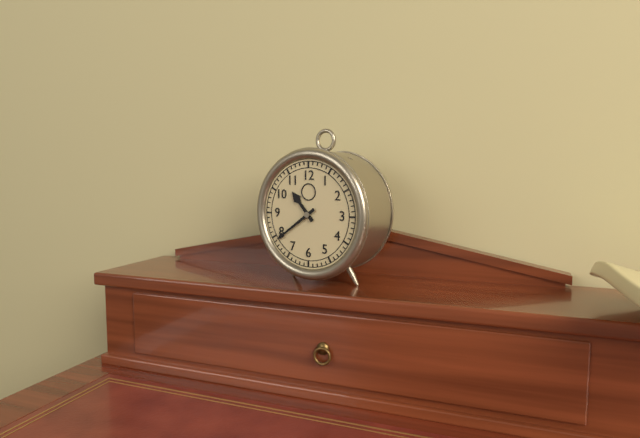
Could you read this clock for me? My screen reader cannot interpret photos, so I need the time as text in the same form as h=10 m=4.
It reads h=10 m=39
